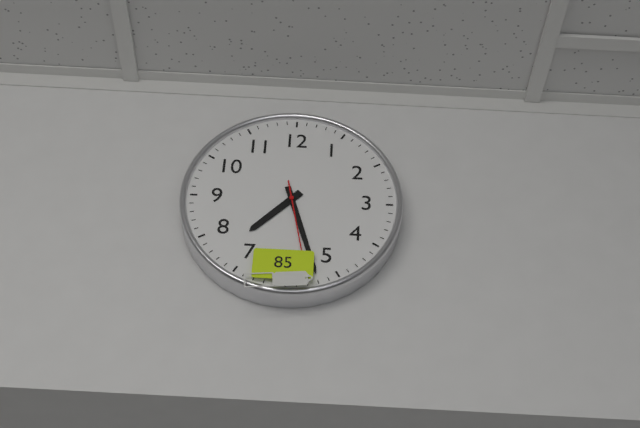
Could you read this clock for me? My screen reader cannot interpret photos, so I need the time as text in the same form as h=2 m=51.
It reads h=7 m=27
